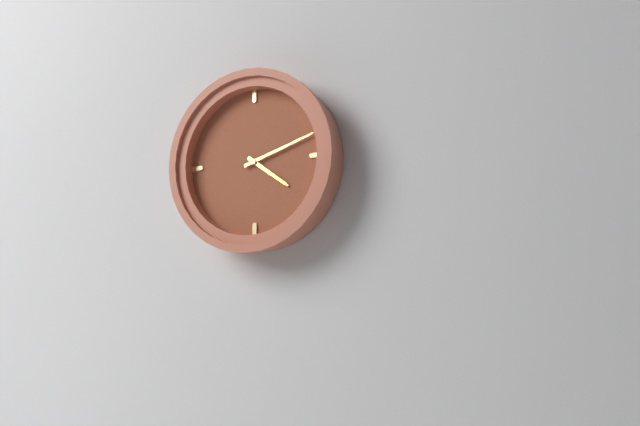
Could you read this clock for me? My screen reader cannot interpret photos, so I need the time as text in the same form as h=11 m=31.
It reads h=4 m=12
